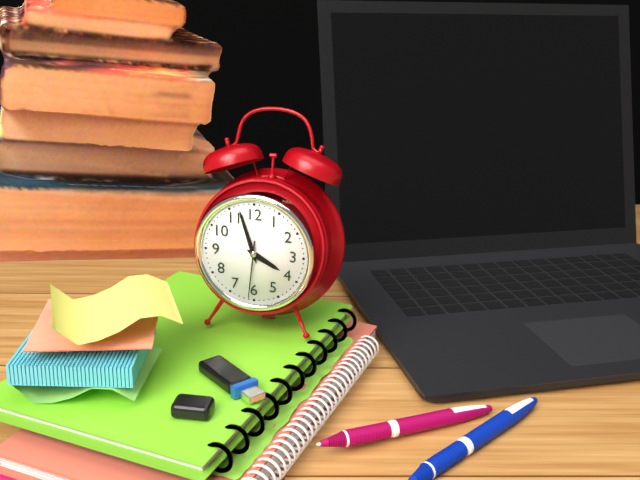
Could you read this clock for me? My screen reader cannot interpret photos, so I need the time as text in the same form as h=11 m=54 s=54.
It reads h=3 m=57 s=31
